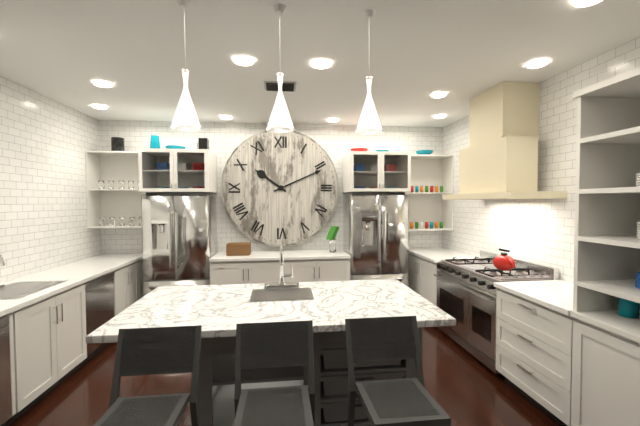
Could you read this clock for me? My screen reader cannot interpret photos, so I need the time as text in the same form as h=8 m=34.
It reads h=10 m=11
